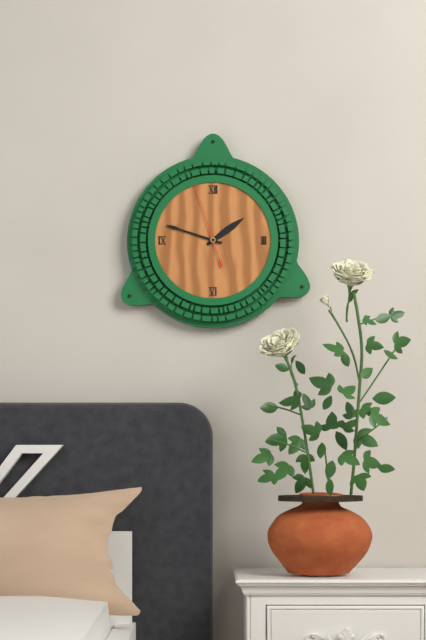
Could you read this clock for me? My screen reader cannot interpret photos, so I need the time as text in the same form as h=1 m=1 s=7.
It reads h=1 m=48 s=57
